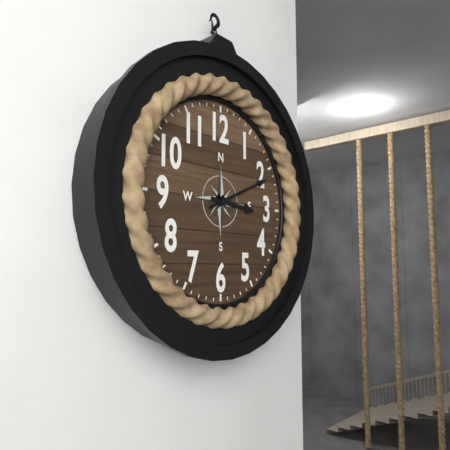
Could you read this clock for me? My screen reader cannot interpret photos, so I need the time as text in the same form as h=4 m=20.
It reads h=3 m=11
